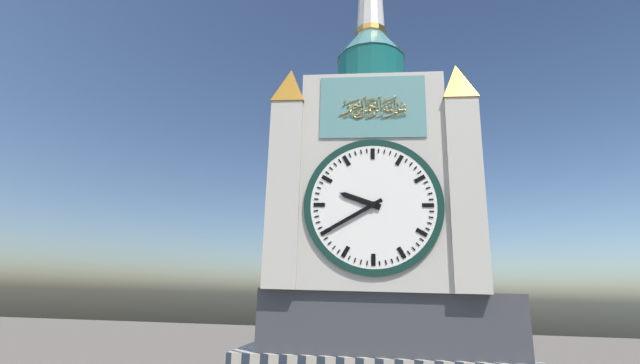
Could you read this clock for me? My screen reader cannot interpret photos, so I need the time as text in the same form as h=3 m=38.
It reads h=9 m=40
